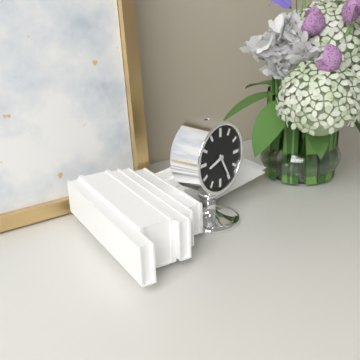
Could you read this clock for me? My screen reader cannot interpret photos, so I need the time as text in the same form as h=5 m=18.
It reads h=8 m=25
